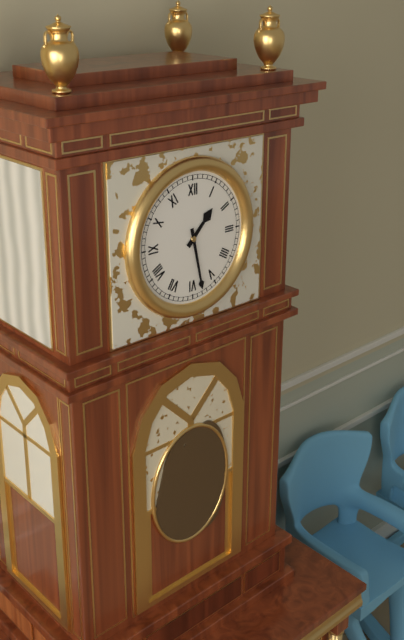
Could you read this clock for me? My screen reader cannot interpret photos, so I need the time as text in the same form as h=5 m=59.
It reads h=1 m=28
